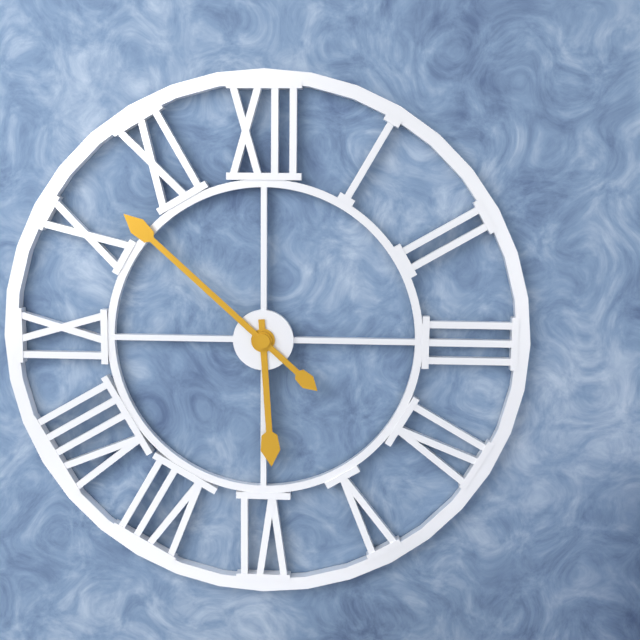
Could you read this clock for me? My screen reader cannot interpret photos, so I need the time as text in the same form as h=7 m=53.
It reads h=5 m=52
